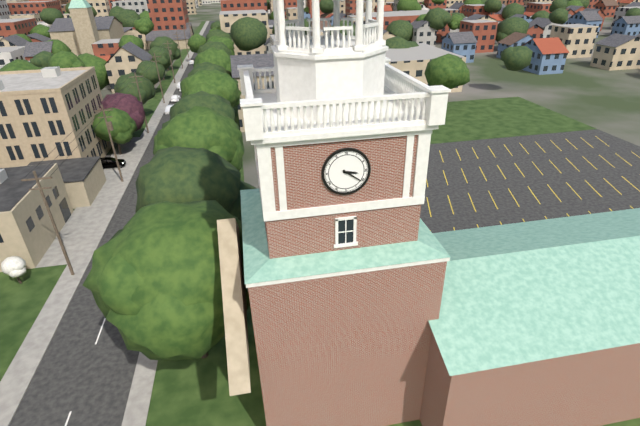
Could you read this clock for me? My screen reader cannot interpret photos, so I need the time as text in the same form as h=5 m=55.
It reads h=3 m=21
